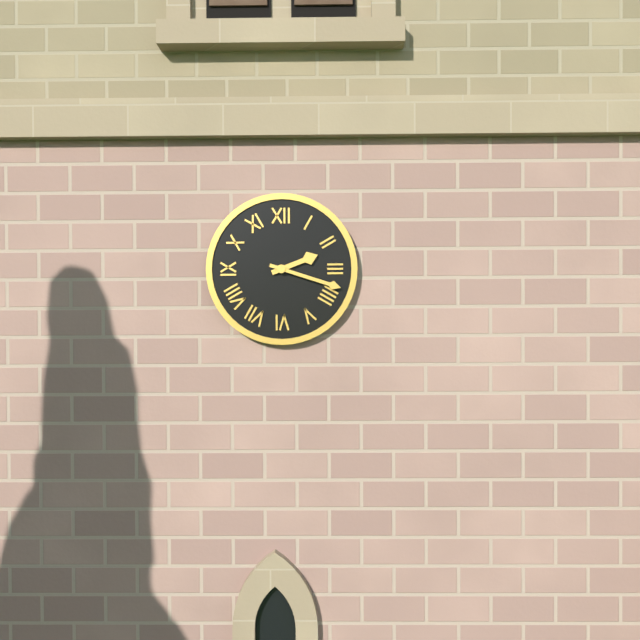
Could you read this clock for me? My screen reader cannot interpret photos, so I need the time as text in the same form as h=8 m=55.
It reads h=2 m=18
